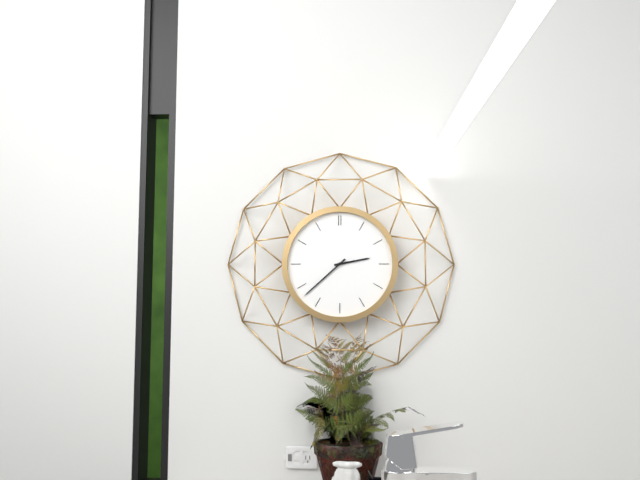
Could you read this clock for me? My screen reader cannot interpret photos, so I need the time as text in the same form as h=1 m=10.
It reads h=2 m=38
